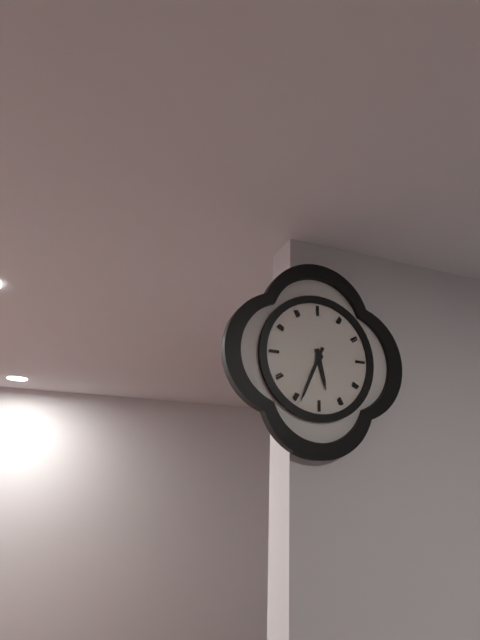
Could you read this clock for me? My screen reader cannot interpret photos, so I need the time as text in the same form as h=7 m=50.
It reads h=5 m=34
